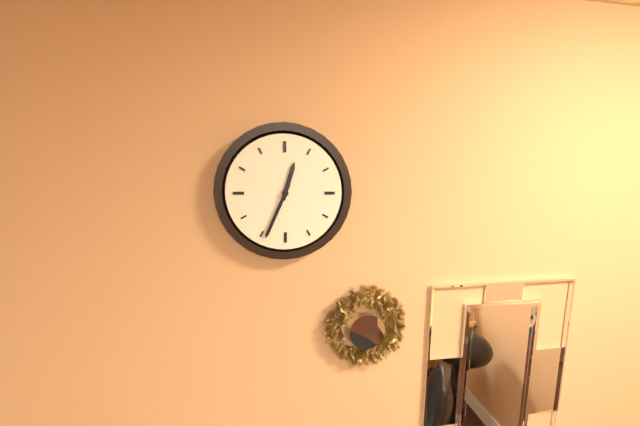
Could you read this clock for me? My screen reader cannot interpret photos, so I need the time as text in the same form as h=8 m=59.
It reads h=12 m=34
